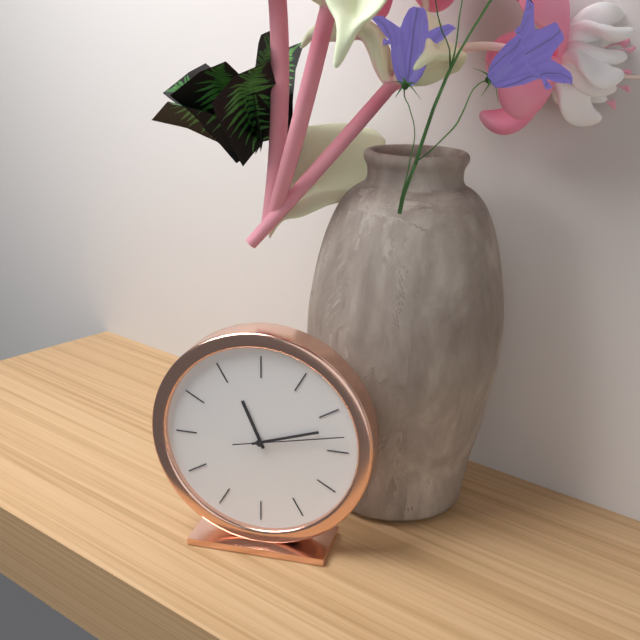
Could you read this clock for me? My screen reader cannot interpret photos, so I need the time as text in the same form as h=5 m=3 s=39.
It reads h=11 m=12 s=13
